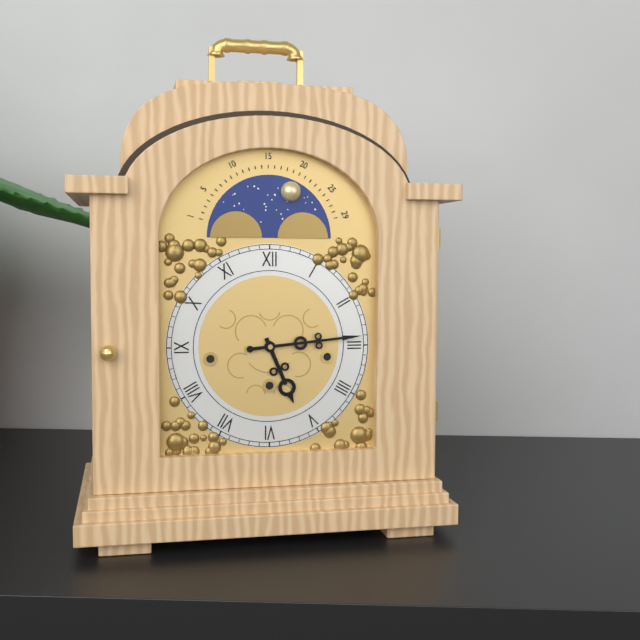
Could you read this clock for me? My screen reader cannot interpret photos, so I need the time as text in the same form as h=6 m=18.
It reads h=5 m=14
